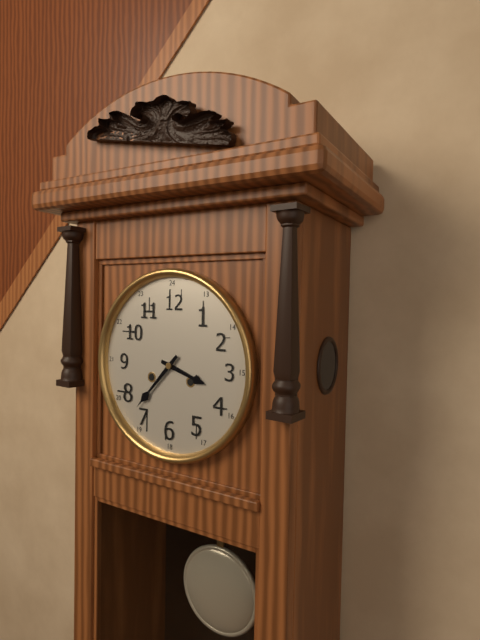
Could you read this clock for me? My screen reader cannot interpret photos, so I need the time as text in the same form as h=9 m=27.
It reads h=3 m=37
